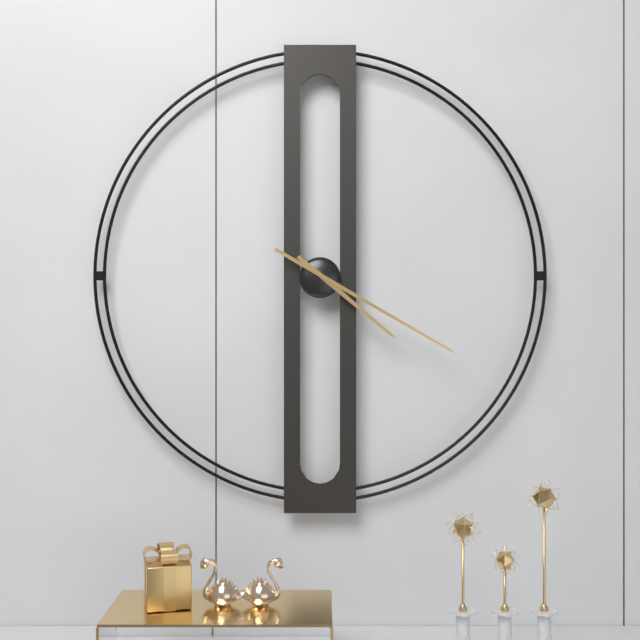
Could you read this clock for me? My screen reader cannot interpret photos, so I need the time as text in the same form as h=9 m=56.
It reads h=4 m=20
